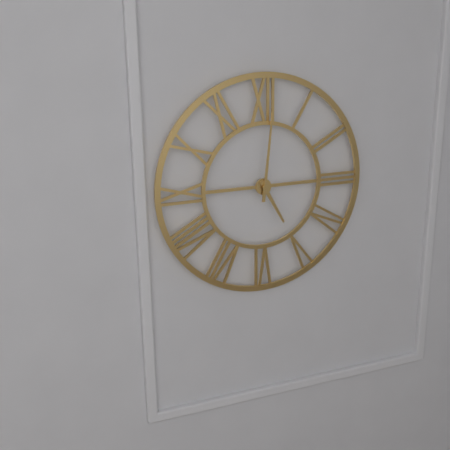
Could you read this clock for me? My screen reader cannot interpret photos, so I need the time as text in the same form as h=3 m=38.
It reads h=5 m=1
